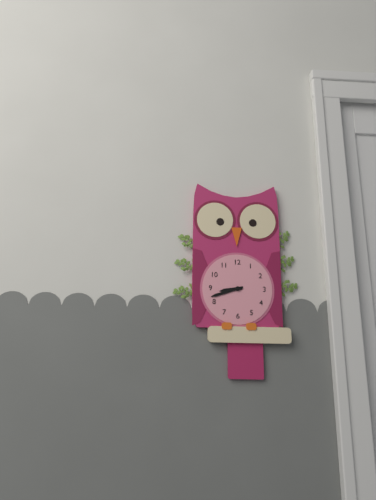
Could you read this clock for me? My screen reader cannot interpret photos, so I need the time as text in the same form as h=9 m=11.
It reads h=8 m=42
